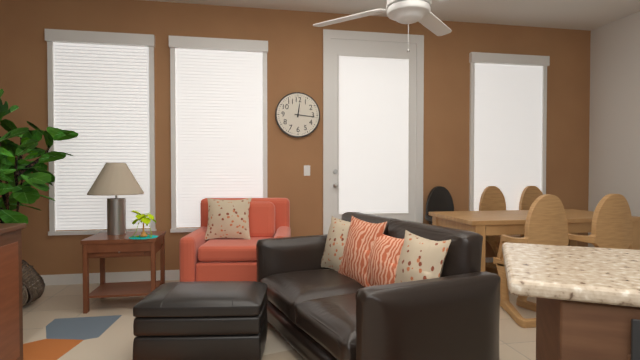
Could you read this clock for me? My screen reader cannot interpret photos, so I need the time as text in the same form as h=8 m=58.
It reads h=12 m=16
